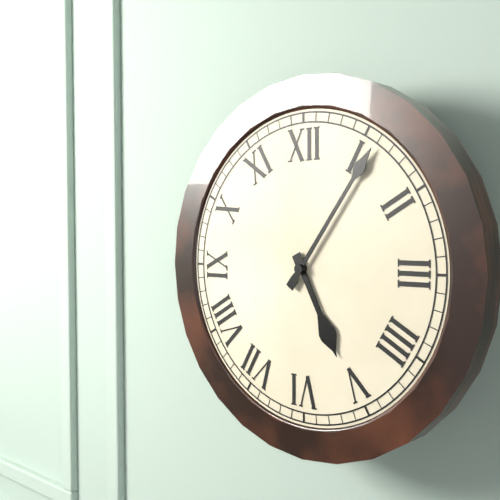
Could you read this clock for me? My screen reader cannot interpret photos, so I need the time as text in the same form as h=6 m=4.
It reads h=5 m=6
